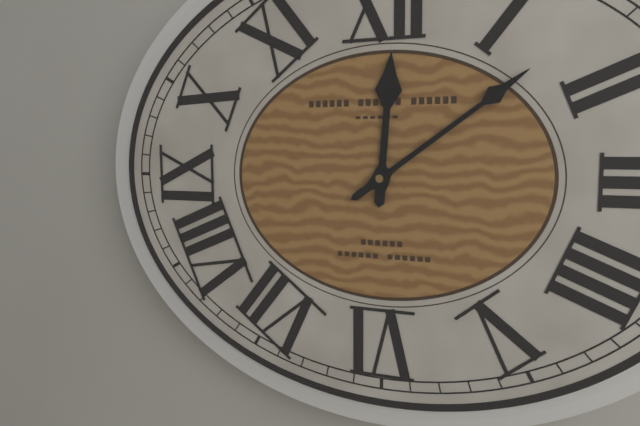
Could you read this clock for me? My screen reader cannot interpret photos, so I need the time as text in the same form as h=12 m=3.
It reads h=12 m=9
